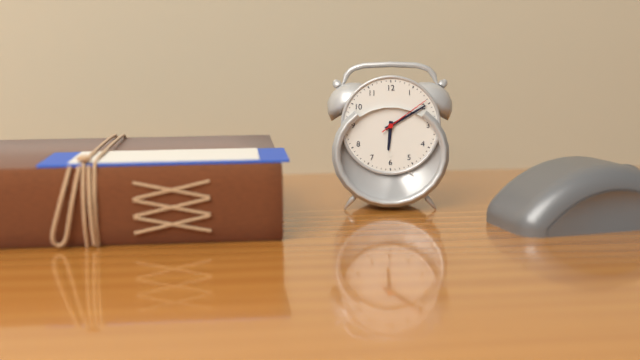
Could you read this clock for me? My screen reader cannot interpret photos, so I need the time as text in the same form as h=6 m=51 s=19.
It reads h=6 m=10 s=9
